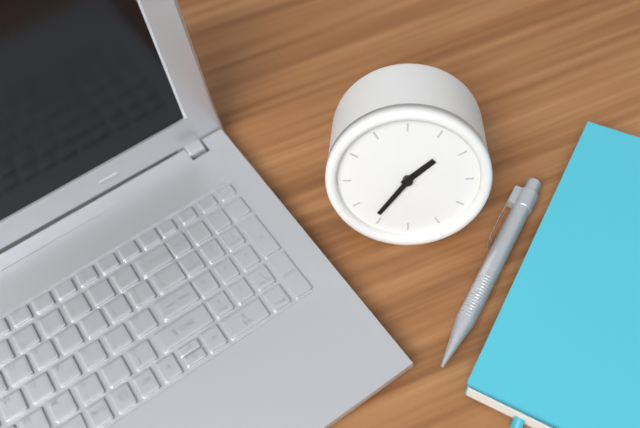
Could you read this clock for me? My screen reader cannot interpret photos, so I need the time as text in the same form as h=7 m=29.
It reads h=1 m=36
